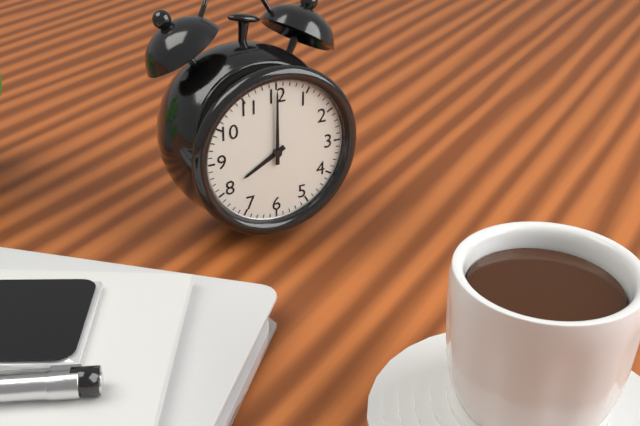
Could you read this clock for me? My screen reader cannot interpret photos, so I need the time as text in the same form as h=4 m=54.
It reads h=8 m=0
